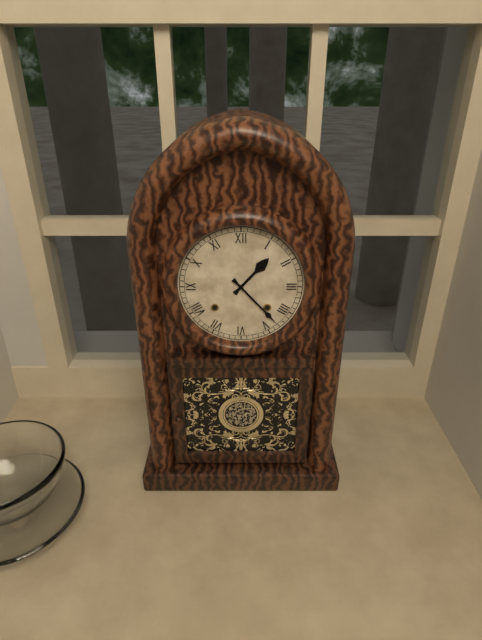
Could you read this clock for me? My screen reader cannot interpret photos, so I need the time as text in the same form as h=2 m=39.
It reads h=1 m=23
